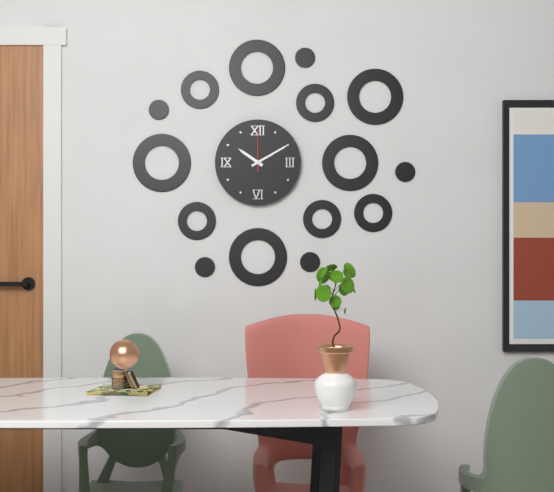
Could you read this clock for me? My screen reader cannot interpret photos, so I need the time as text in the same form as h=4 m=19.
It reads h=10 m=10
